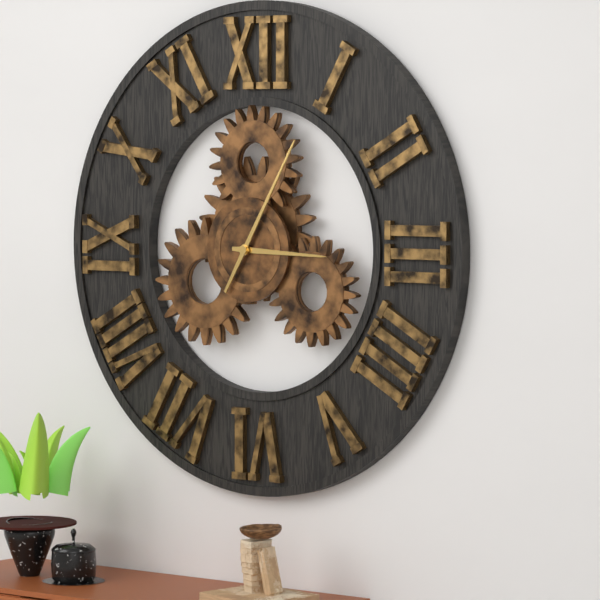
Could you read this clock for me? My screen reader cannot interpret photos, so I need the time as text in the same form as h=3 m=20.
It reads h=3 m=5
